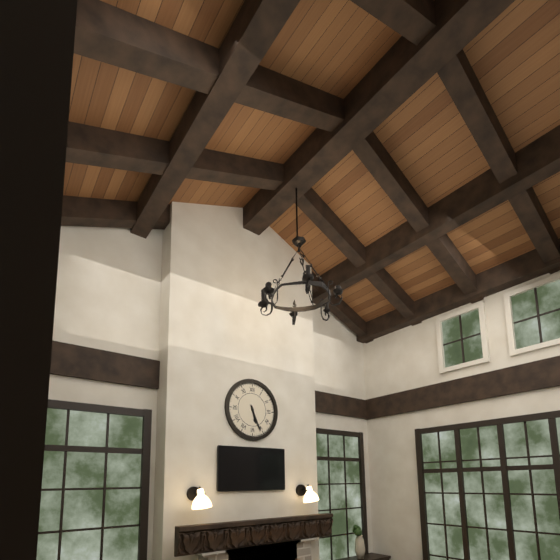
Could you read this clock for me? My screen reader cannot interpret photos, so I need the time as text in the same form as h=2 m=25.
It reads h=5 m=26
